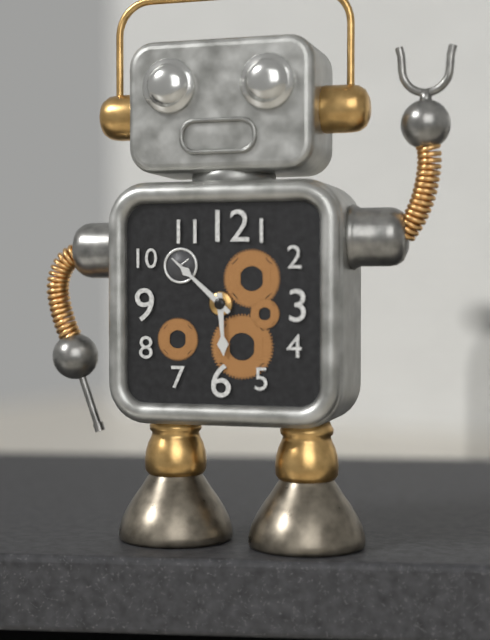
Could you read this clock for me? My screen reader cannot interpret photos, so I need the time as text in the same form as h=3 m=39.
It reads h=5 m=52
